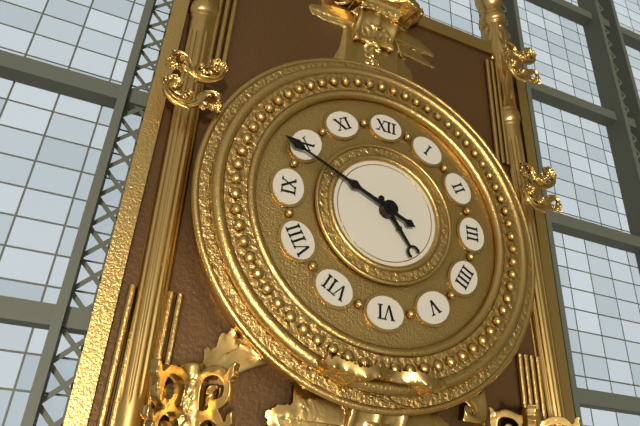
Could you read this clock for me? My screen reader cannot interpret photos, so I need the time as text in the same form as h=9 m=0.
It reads h=4 m=49
